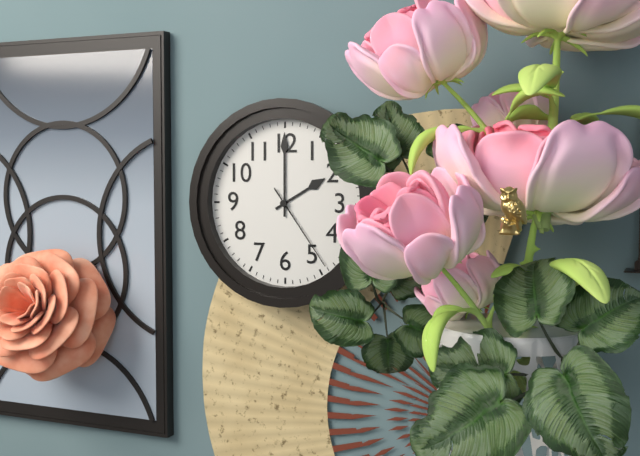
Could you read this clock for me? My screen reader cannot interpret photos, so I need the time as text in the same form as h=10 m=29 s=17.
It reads h=2 m=0 s=24
